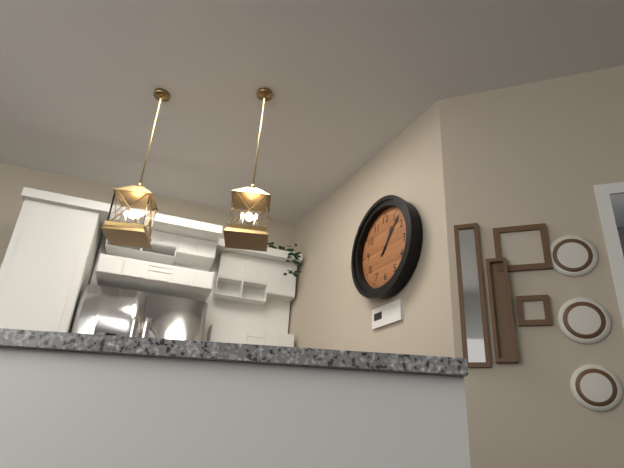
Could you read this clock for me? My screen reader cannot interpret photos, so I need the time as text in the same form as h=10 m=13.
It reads h=1 m=7
